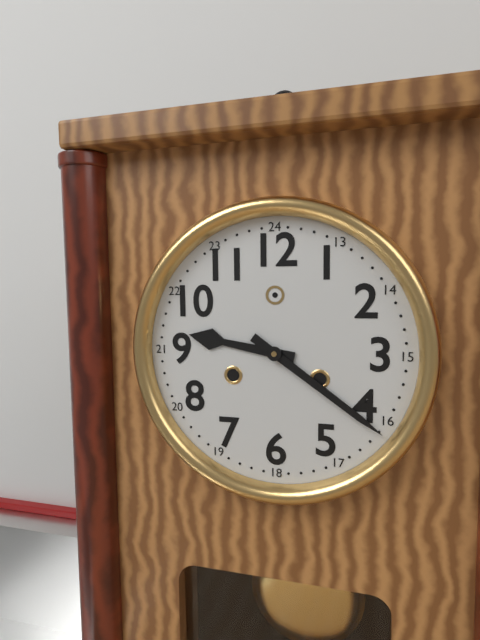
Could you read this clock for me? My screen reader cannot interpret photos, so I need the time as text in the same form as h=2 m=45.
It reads h=9 m=21
